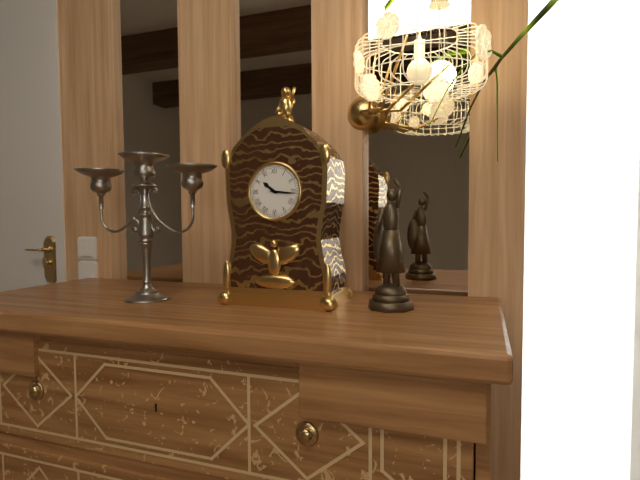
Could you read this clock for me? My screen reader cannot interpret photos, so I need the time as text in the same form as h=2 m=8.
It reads h=10 m=16
